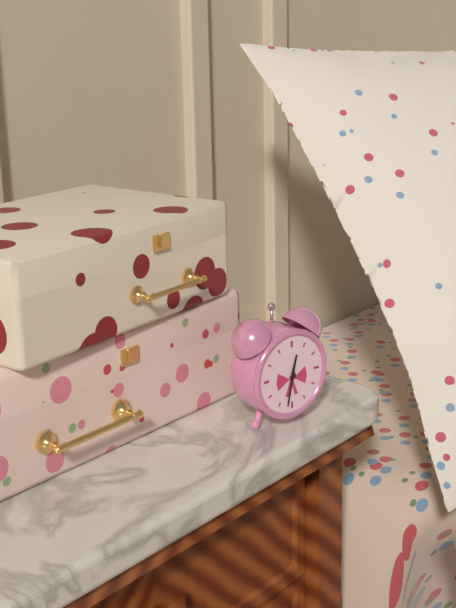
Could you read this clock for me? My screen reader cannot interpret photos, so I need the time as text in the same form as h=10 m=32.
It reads h=12 m=32
